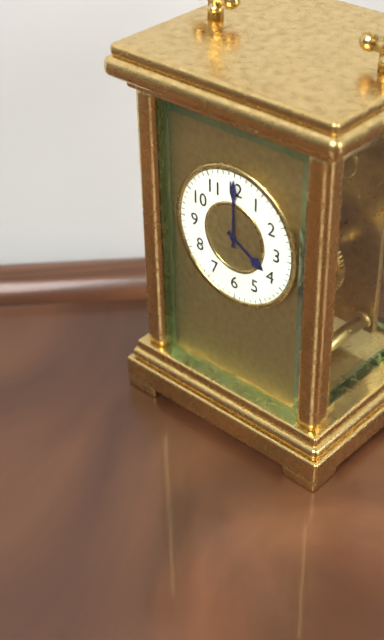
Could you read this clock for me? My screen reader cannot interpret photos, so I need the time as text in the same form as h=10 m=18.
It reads h=4 m=0
